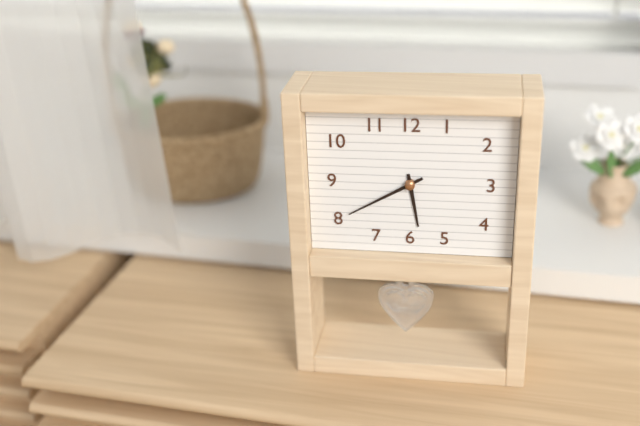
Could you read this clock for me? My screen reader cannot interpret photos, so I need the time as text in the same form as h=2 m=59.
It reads h=5 m=40
